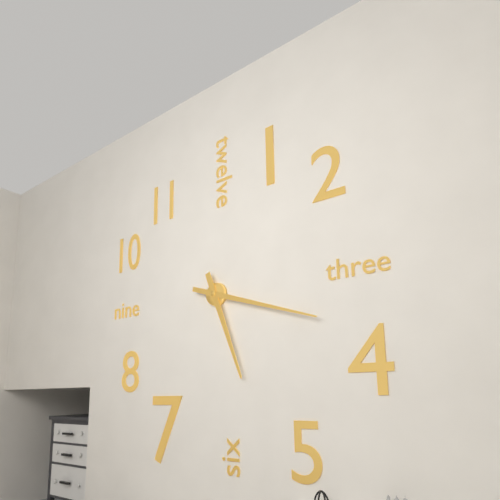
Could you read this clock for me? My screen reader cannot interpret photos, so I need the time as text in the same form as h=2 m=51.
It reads h=5 m=18
